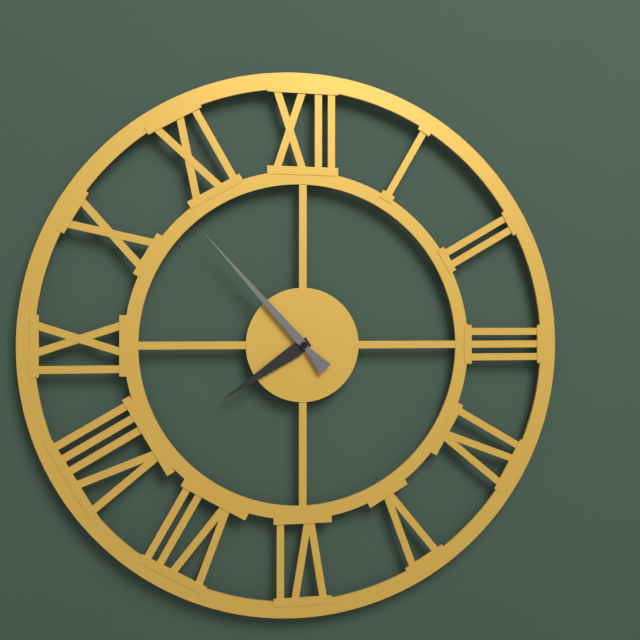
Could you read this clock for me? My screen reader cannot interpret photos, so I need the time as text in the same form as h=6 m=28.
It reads h=7 m=53
